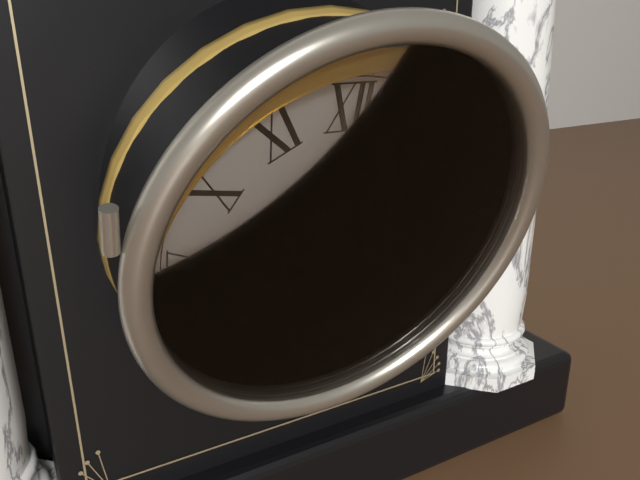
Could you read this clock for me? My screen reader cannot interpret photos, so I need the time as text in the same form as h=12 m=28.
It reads h=4 m=19
